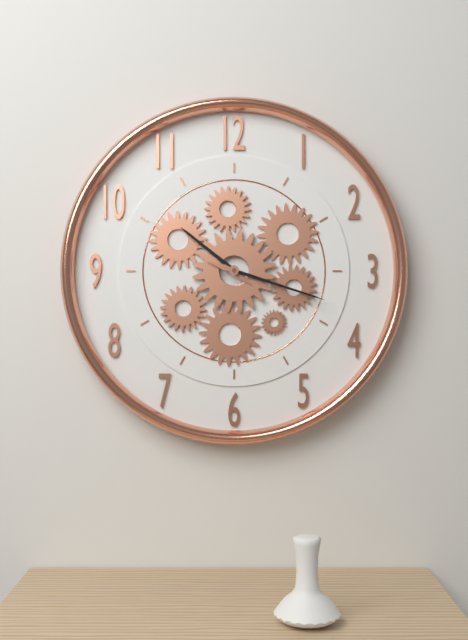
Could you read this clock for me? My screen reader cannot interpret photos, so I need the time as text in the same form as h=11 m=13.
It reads h=10 m=18
